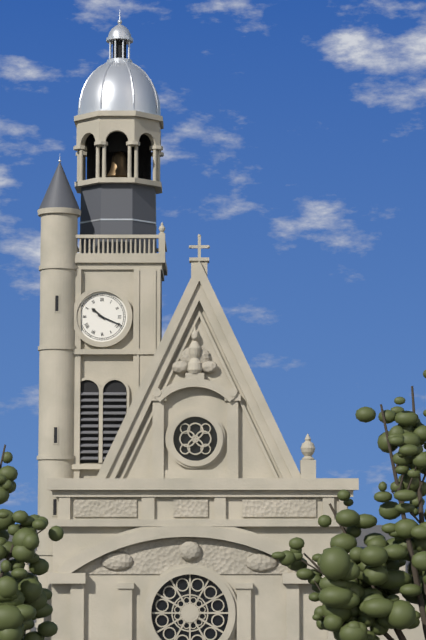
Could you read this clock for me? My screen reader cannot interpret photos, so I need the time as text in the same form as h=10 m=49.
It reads h=10 m=19
